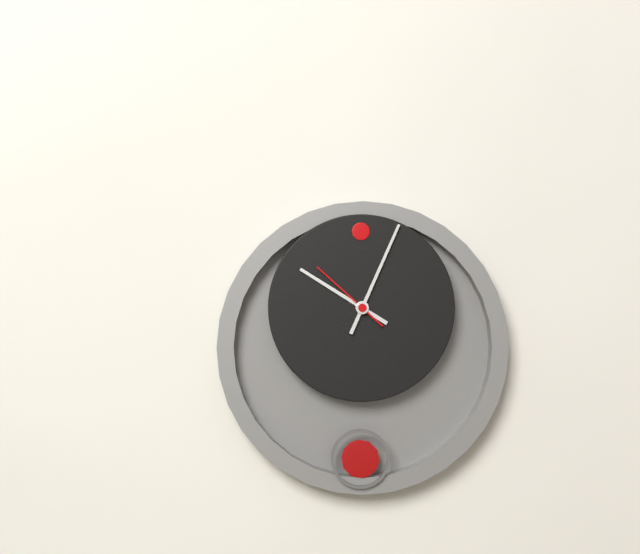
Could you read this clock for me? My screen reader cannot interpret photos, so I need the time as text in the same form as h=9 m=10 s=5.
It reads h=10 m=4 s=52
